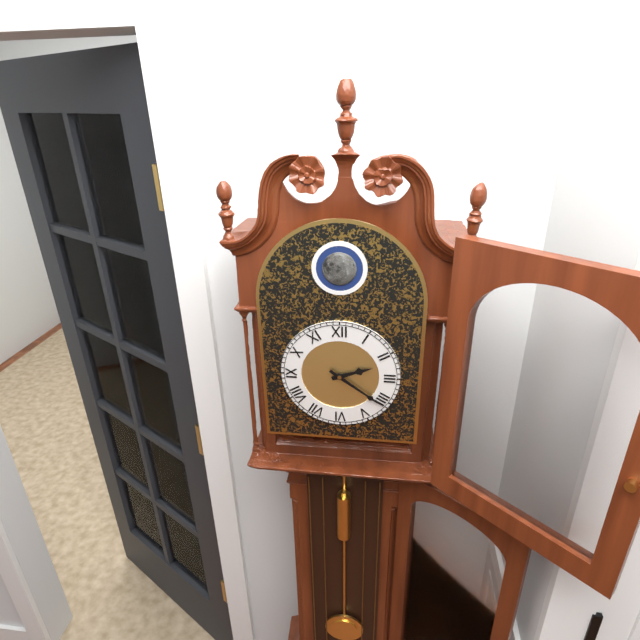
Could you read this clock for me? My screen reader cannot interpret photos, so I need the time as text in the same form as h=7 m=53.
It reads h=2 m=21
